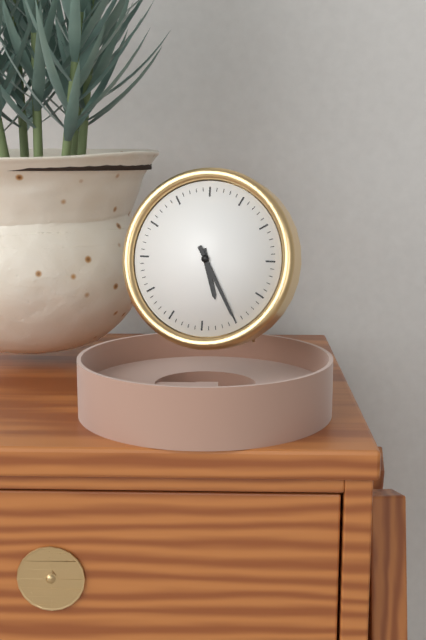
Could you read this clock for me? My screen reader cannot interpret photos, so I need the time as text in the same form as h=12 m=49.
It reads h=5 m=25
